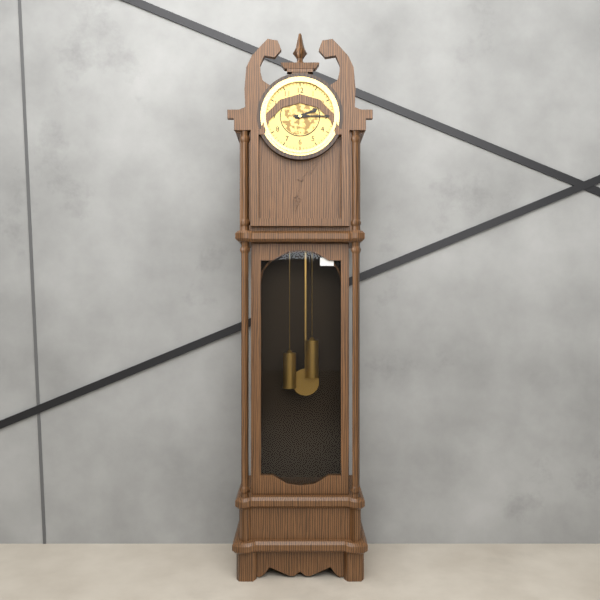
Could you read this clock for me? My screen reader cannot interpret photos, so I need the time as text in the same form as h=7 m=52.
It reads h=2 m=15
